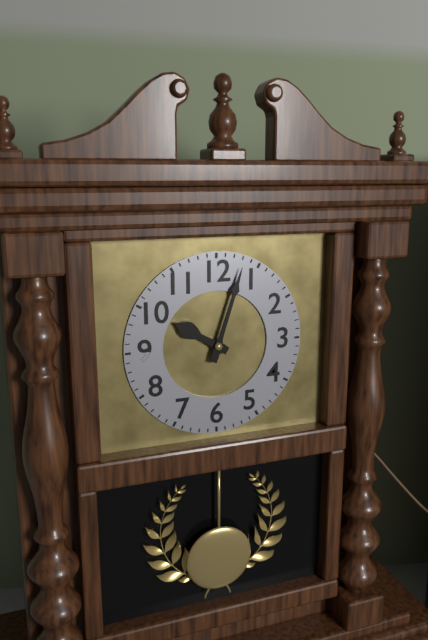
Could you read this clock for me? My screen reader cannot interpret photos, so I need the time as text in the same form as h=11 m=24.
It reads h=10 m=3
